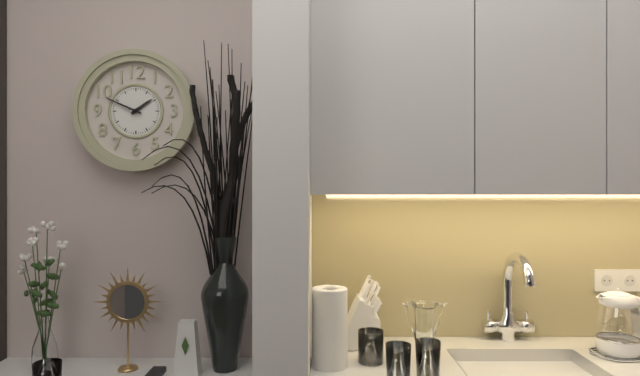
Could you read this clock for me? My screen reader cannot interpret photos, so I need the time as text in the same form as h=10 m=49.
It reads h=1 m=49
